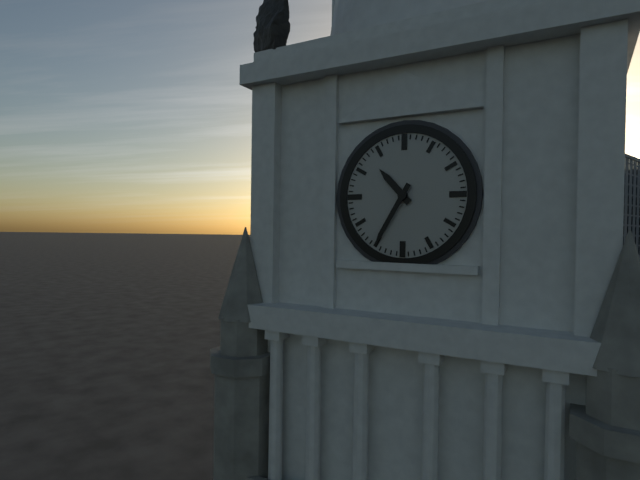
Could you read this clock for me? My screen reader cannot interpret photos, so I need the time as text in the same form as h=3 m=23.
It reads h=10 m=35
